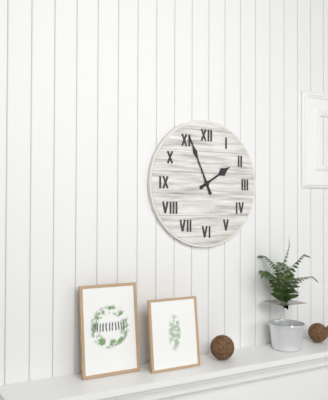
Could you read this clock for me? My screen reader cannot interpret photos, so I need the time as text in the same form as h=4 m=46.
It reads h=1 m=56
